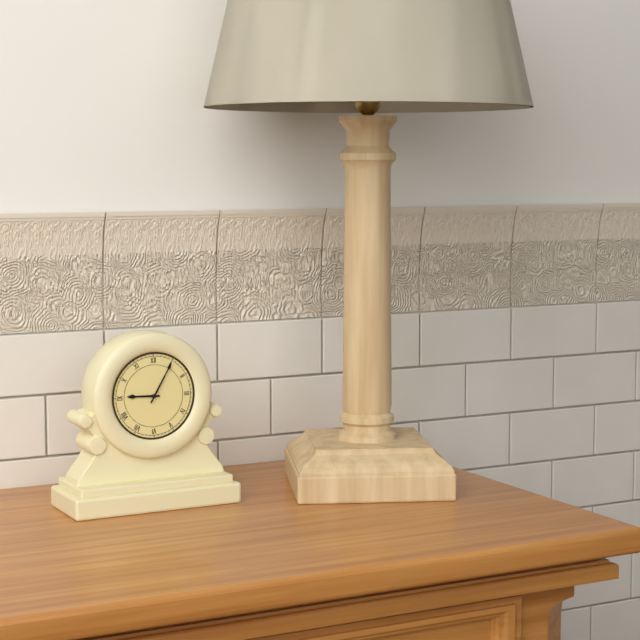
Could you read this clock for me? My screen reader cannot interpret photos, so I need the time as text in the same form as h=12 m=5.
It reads h=9 m=5
